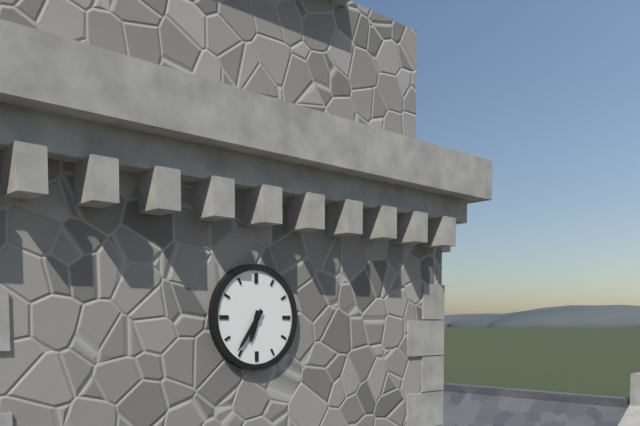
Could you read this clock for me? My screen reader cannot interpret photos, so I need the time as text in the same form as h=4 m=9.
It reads h=6 m=36
